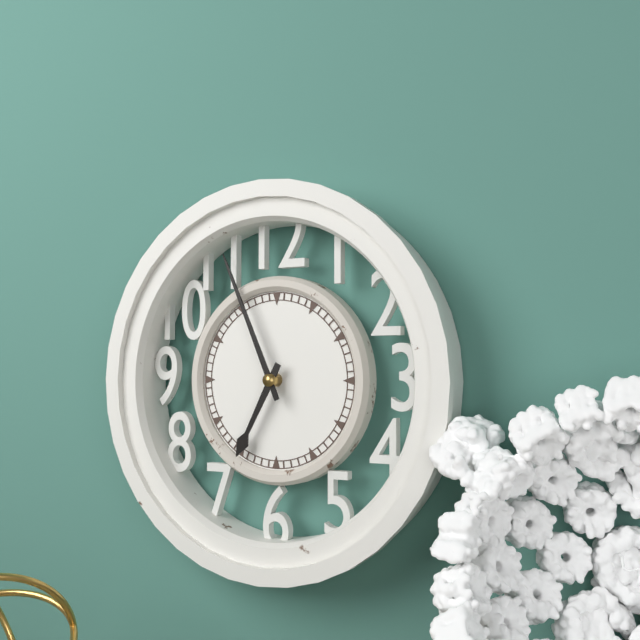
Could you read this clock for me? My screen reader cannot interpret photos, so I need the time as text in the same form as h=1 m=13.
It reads h=6 m=56
